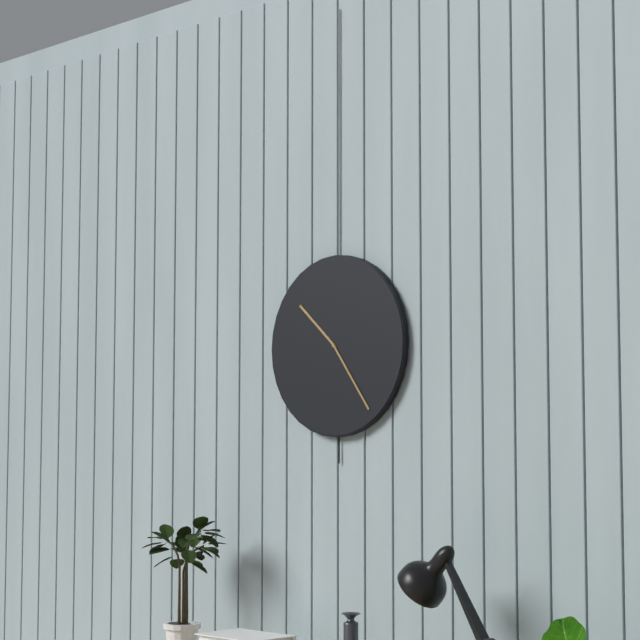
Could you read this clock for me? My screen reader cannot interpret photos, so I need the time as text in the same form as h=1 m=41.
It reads h=10 m=24
